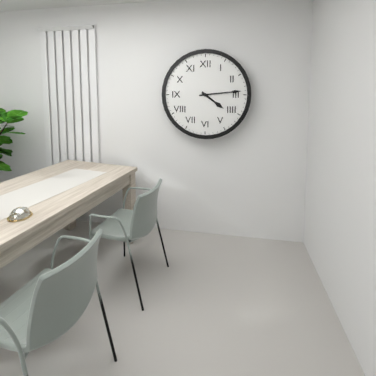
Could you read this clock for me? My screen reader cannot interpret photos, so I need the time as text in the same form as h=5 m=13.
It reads h=4 m=14
